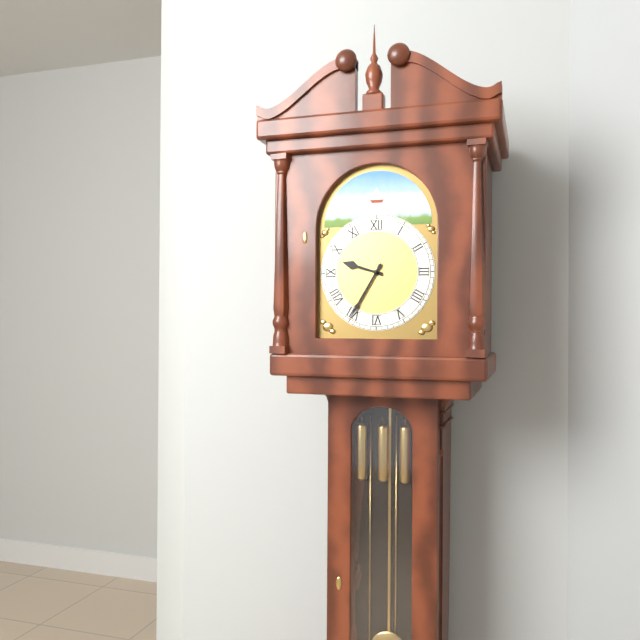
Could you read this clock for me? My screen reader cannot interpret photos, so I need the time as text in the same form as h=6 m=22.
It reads h=9 m=35
